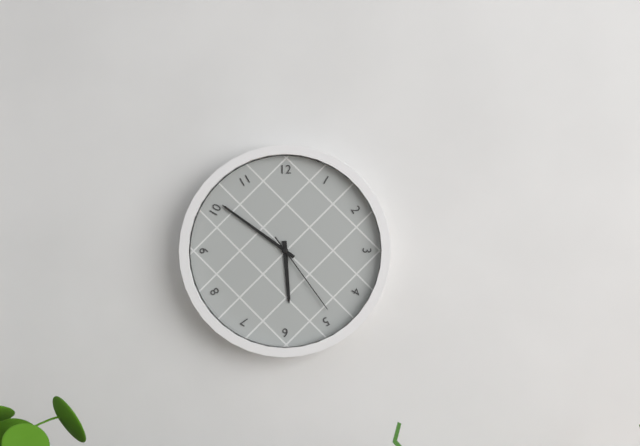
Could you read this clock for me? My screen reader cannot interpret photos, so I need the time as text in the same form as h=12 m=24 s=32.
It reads h=5 m=51 s=24
